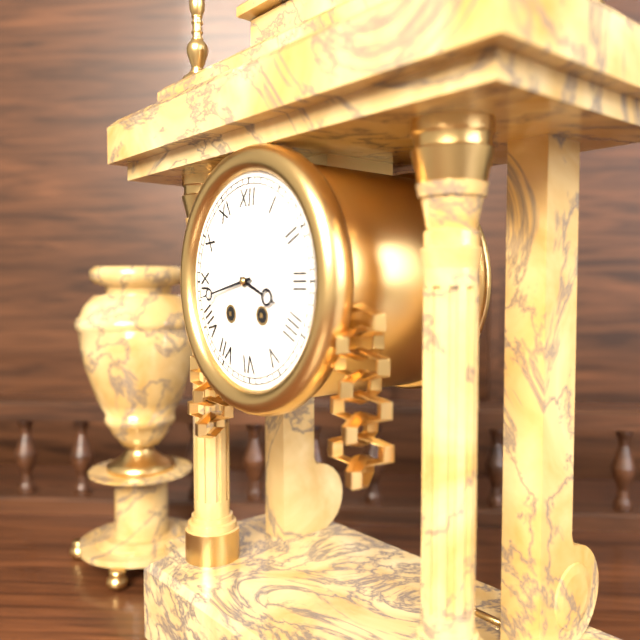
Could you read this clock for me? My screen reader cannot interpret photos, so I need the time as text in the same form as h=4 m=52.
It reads h=3 m=43
